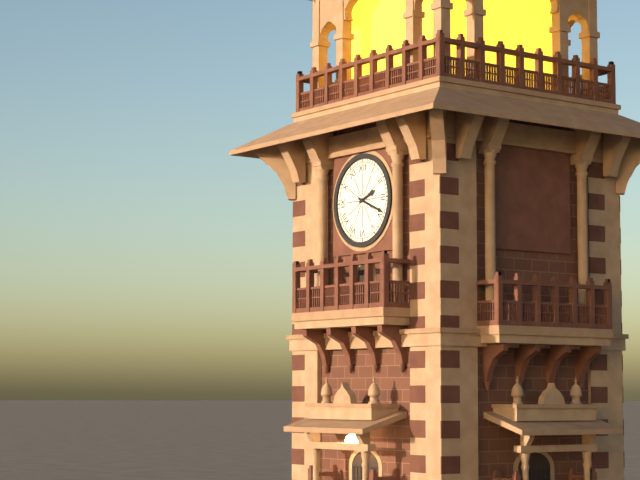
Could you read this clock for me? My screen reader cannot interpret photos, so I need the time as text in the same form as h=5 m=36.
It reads h=2 m=19
